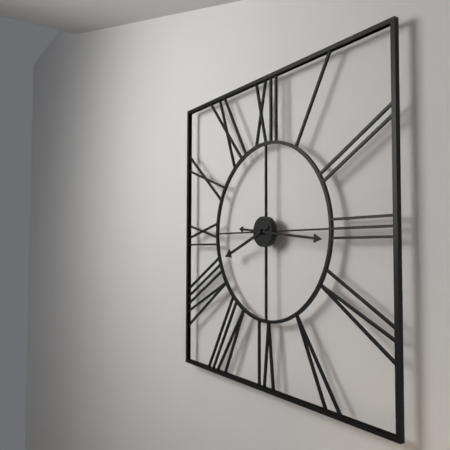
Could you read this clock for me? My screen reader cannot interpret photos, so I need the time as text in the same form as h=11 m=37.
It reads h=8 m=16
